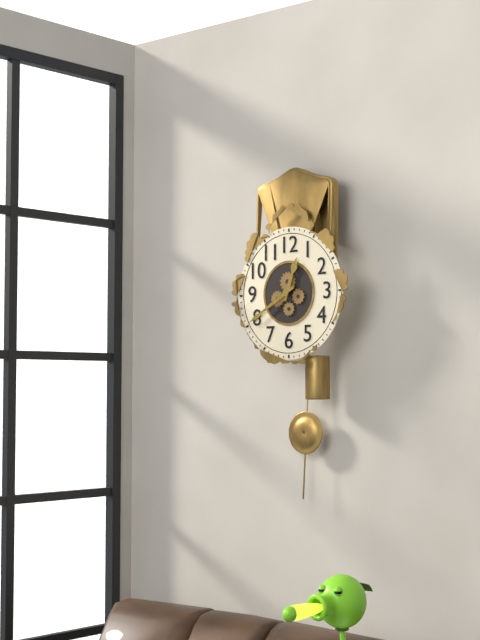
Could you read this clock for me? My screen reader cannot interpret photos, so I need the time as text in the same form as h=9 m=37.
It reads h=12 m=40
